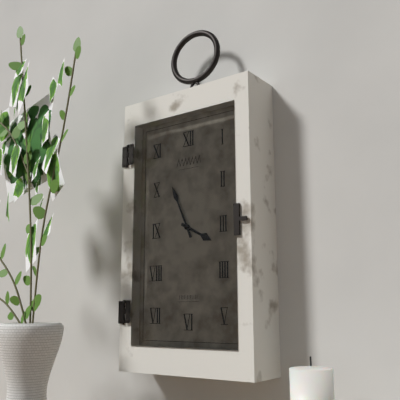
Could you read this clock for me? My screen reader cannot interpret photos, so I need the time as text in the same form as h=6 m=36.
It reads h=3 m=56
